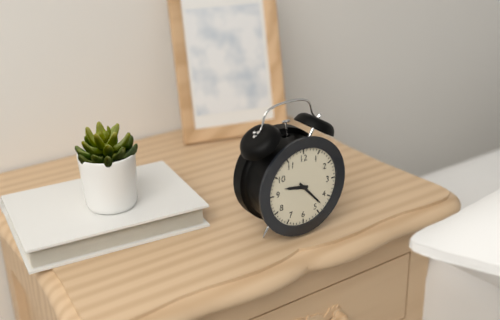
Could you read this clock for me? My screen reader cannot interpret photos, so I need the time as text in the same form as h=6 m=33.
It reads h=9 m=23
